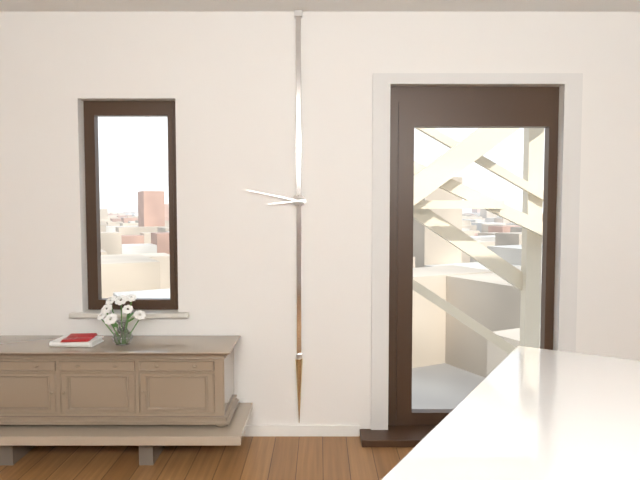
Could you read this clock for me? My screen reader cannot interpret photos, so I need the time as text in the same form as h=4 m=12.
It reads h=8 m=47
